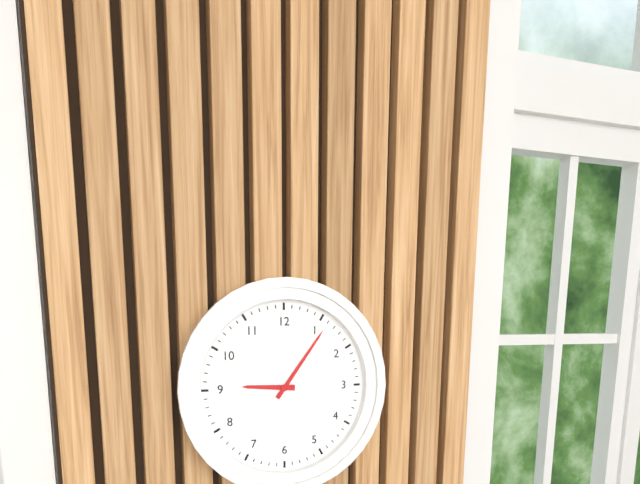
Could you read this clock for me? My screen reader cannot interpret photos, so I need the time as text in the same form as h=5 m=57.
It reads h=9 m=6
